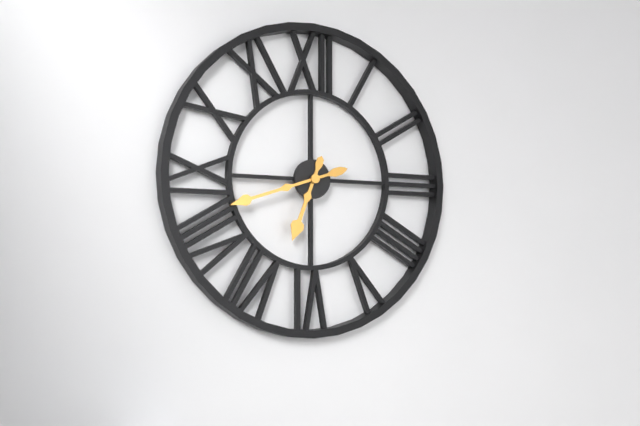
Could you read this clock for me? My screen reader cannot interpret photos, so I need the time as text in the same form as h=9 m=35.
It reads h=6 m=42
